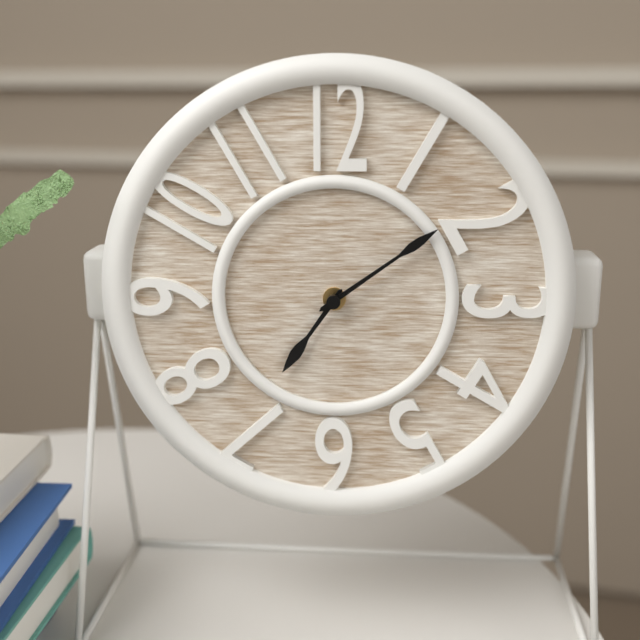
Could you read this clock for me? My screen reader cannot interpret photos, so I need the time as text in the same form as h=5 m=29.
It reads h=7 m=9
